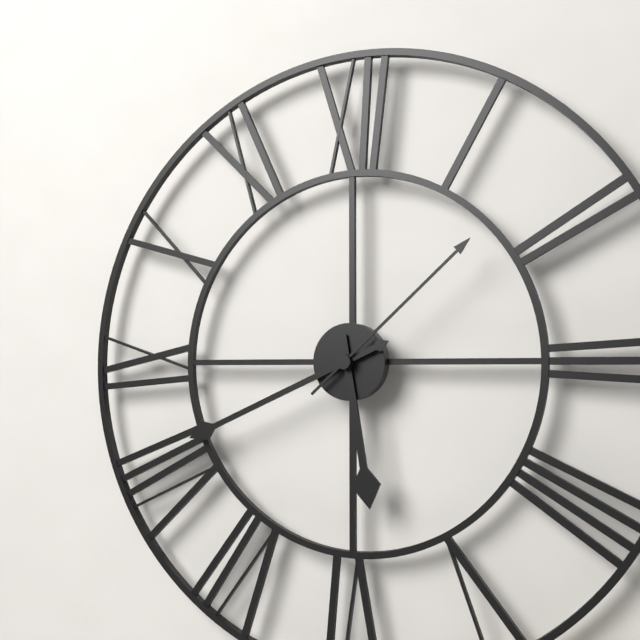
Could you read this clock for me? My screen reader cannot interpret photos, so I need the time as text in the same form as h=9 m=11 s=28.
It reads h=5 m=41 s=8
